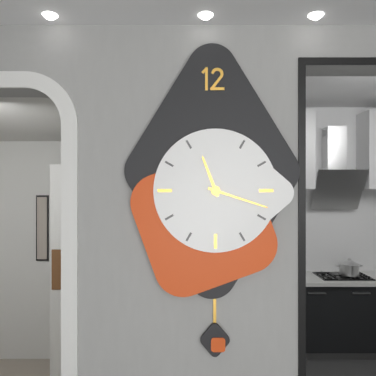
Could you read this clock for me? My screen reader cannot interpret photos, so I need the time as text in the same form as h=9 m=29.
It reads h=11 m=18
